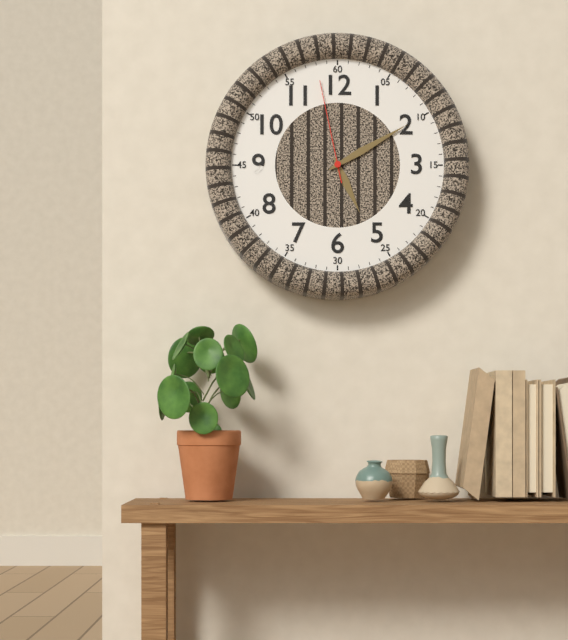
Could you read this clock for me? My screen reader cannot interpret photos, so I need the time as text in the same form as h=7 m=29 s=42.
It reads h=5 m=10 s=58
